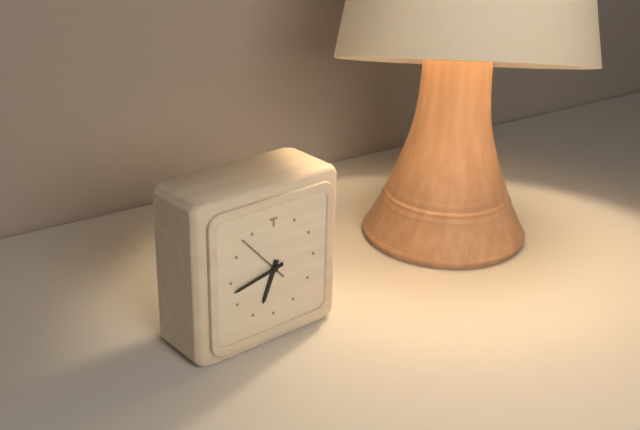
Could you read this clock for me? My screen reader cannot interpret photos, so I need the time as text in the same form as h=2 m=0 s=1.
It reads h=6 m=43 s=53
